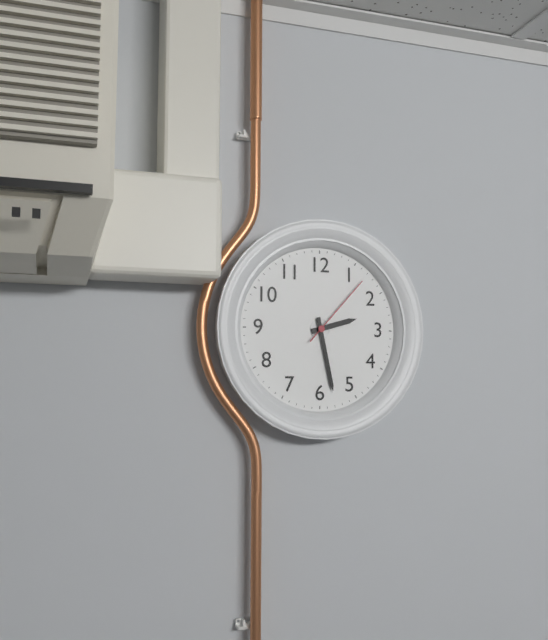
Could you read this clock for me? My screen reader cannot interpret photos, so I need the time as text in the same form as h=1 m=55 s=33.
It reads h=2 m=28 s=7
